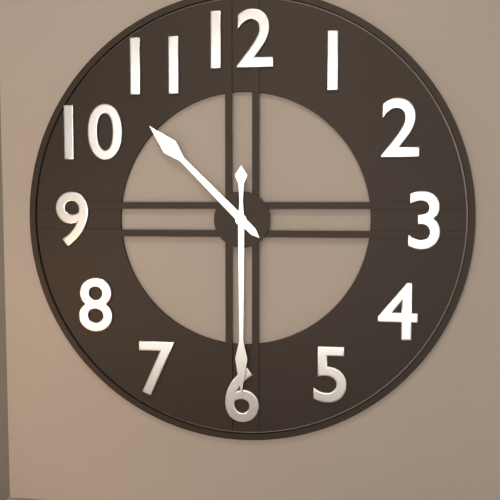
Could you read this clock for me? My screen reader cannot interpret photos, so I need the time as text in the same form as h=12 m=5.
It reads h=10 m=30
